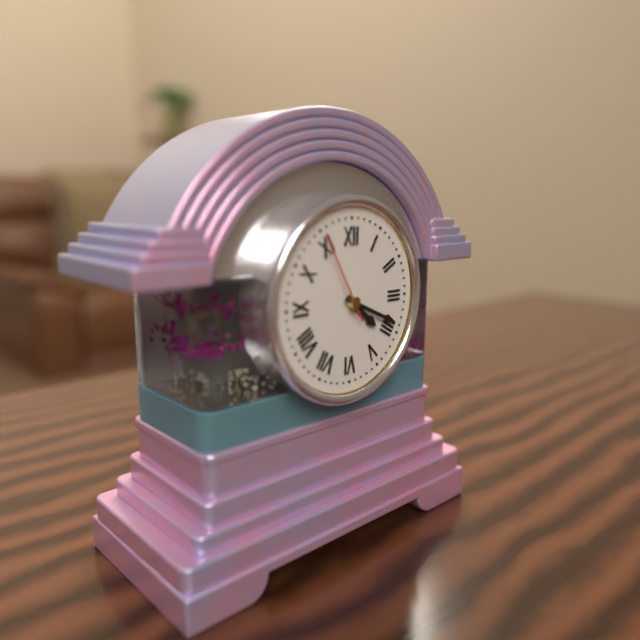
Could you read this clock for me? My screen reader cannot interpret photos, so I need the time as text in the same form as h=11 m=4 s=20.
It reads h=4 m=19 s=55
